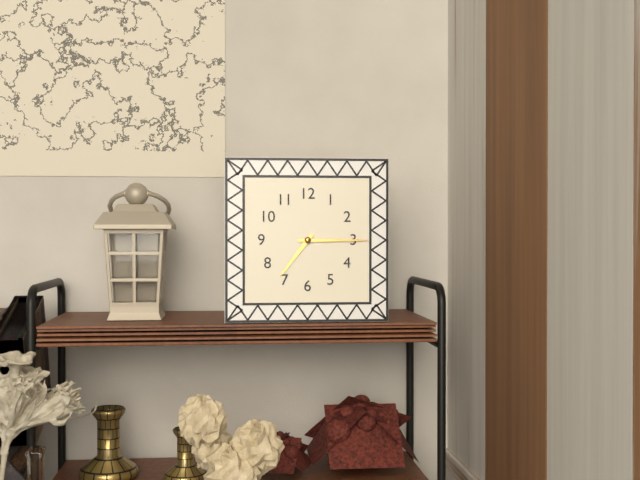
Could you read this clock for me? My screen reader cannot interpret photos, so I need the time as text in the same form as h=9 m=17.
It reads h=7 m=15
